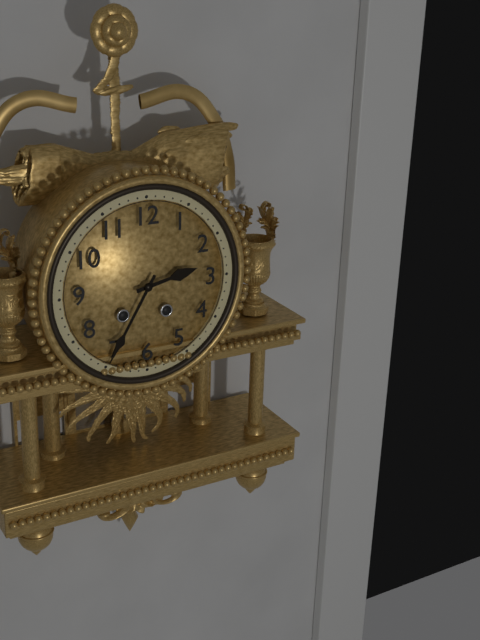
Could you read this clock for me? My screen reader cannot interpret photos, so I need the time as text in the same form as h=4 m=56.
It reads h=2 m=35
